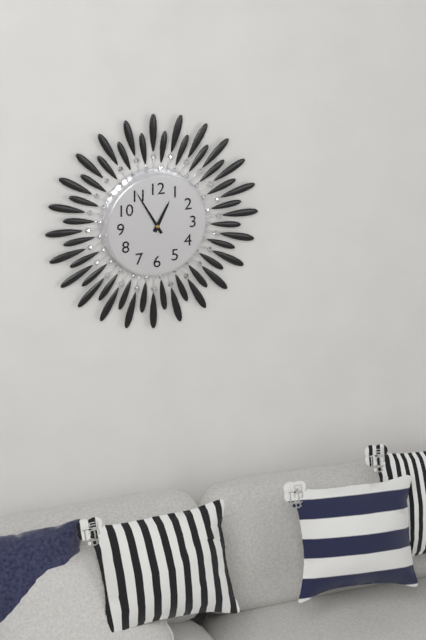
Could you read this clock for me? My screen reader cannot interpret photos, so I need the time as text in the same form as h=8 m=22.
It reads h=12 m=55
